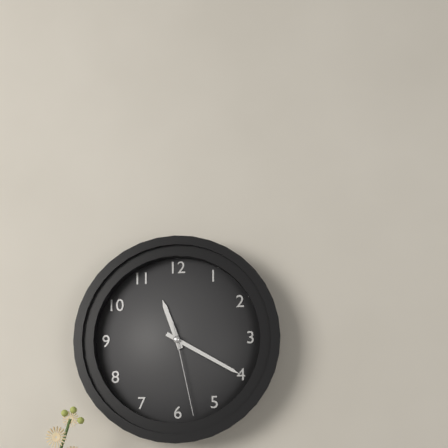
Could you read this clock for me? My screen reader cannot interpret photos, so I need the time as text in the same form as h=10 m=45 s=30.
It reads h=11 m=20 s=28
